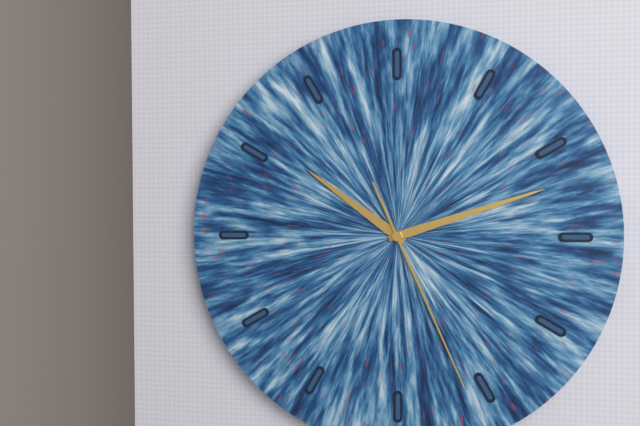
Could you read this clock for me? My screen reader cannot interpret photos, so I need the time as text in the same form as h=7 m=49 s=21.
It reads h=10 m=12 s=26
